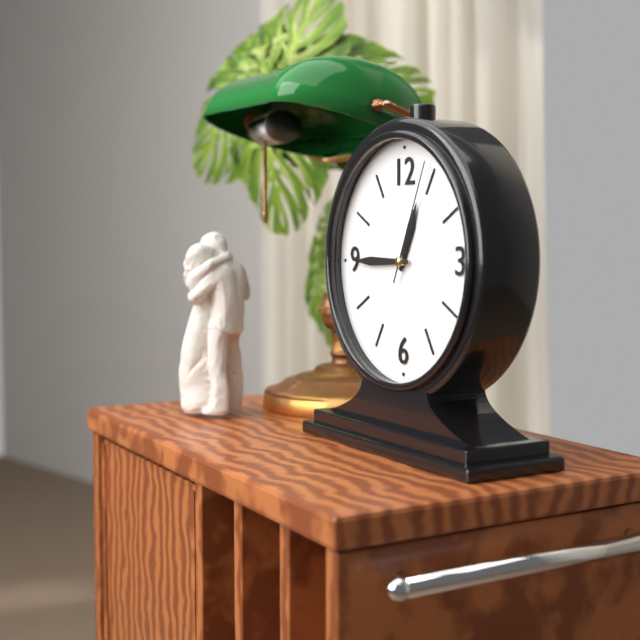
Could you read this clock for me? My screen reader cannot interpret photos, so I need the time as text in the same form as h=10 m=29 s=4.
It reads h=12 m=45 s=4
